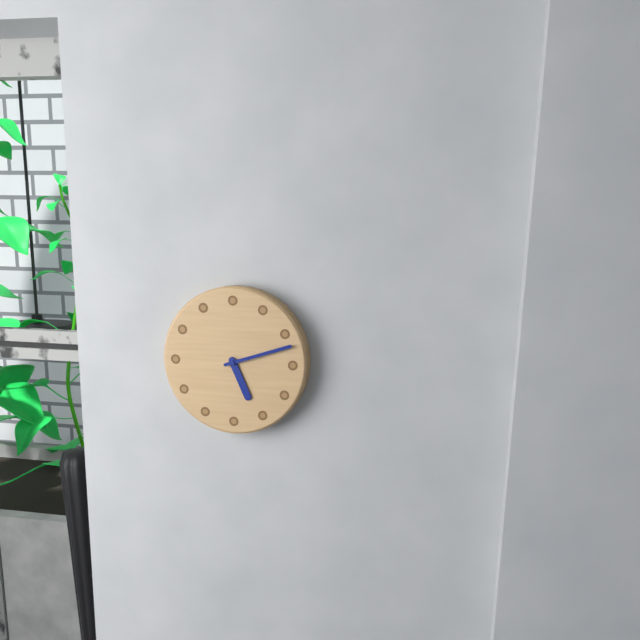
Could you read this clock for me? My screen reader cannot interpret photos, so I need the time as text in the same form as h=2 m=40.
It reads h=5 m=12
